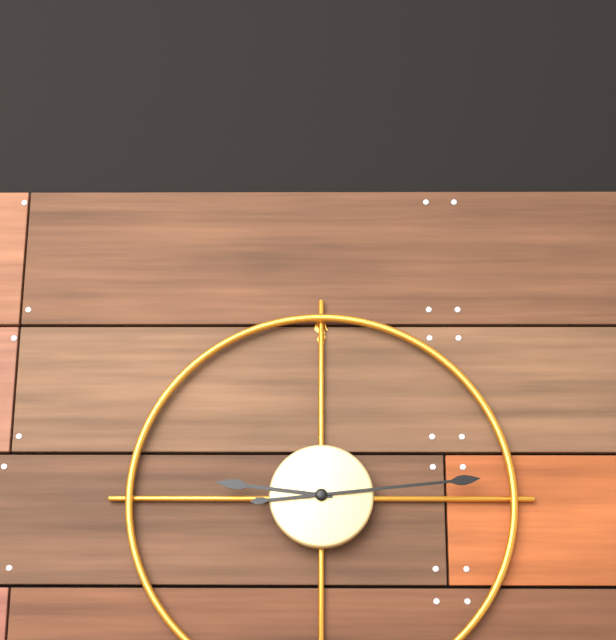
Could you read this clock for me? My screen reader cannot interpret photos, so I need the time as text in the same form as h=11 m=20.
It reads h=9 m=14
